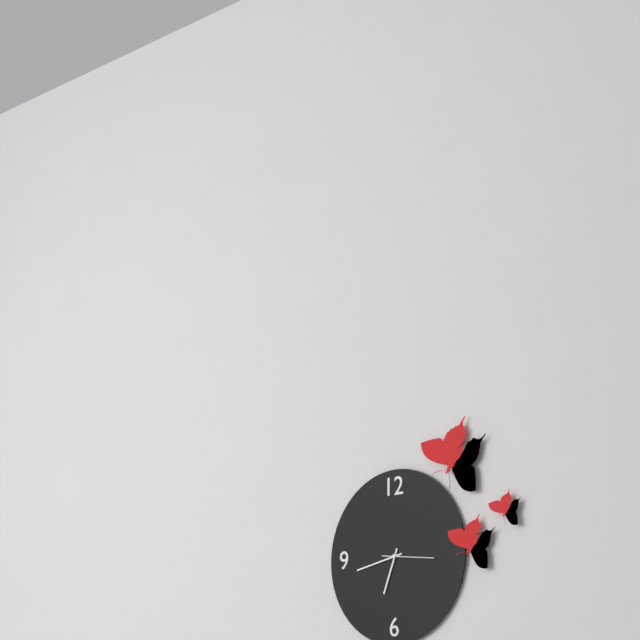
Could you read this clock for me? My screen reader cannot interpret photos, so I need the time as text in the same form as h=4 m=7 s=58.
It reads h=6 m=43 s=16
